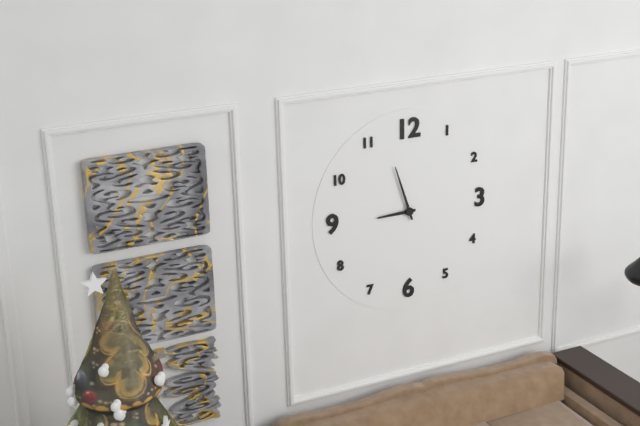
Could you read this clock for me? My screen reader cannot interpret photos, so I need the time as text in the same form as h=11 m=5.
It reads h=8 m=57
